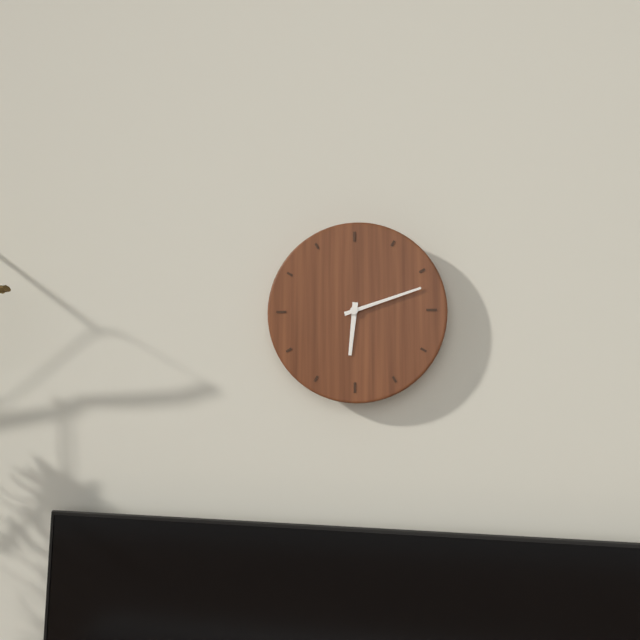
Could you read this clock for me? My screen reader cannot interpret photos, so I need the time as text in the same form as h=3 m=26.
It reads h=6 m=12
